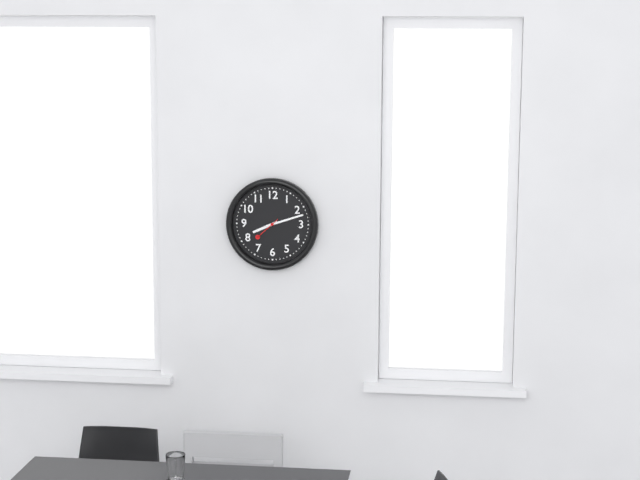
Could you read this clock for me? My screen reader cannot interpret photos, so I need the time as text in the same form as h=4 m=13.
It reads h=8 m=12
